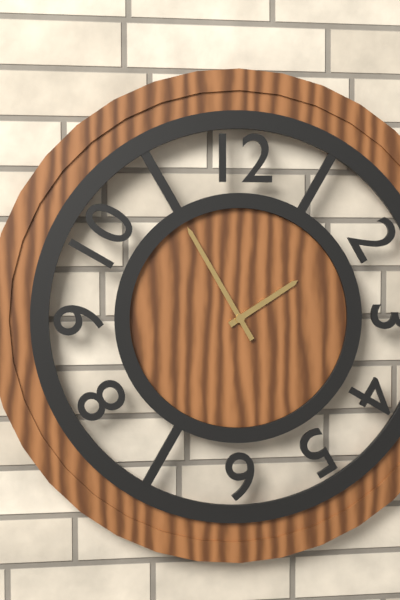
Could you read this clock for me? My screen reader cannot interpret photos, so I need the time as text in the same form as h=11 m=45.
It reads h=1 m=55
